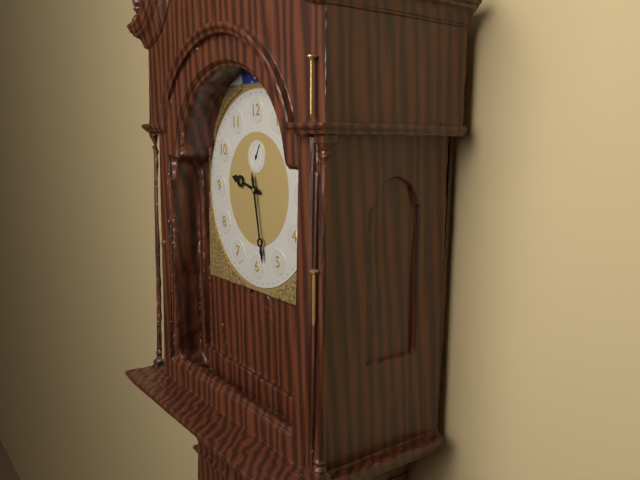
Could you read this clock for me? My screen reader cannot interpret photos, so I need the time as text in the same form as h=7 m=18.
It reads h=9 m=28
